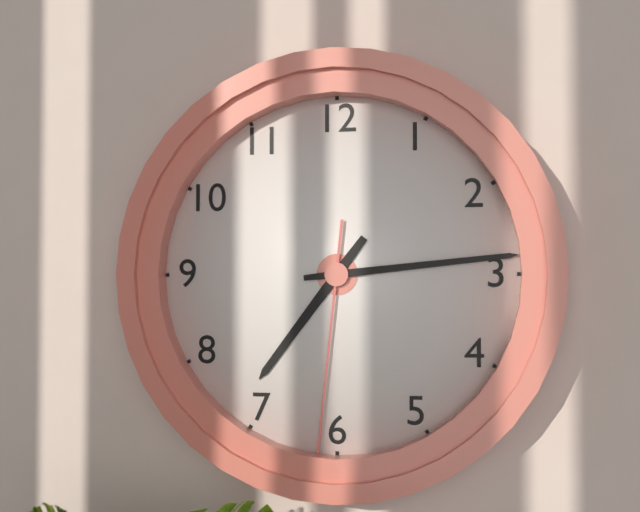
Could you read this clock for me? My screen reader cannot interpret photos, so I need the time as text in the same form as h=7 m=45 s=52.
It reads h=7 m=14 s=31
